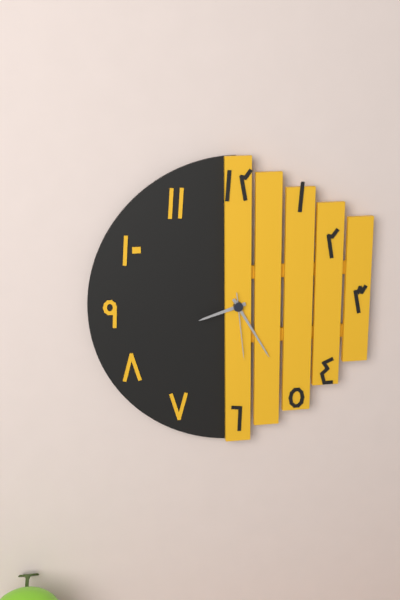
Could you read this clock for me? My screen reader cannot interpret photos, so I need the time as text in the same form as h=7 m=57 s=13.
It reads h=8 m=25 s=29
